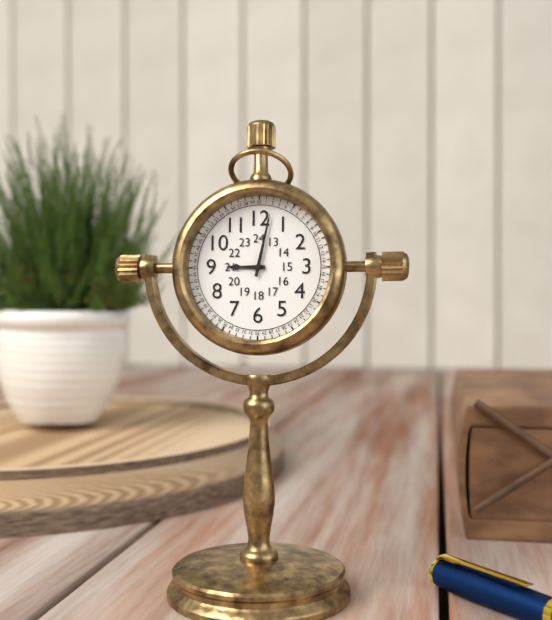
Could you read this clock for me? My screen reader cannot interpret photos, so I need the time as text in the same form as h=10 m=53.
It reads h=9 m=2
